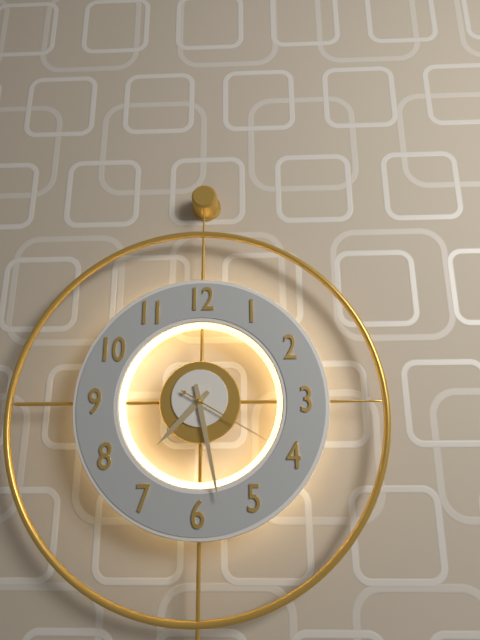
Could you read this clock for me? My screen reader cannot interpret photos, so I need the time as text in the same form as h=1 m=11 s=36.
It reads h=7 m=28 s=20
